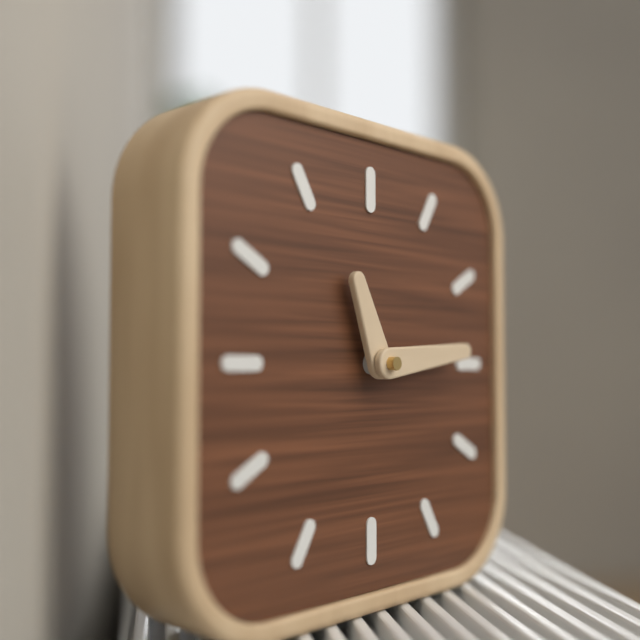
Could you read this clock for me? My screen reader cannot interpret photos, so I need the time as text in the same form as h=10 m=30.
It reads h=11 m=14
